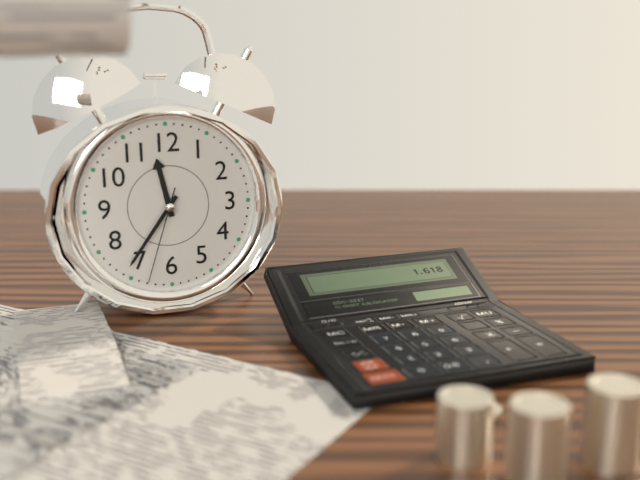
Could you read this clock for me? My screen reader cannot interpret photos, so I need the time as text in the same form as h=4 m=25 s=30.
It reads h=11 m=36 s=33
